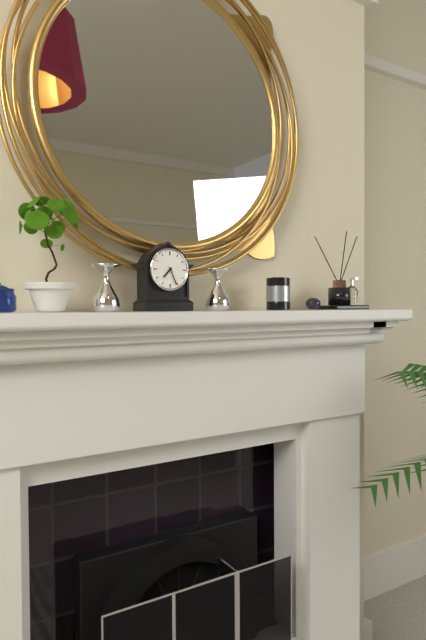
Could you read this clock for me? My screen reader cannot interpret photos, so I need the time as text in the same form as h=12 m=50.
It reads h=7 m=26
